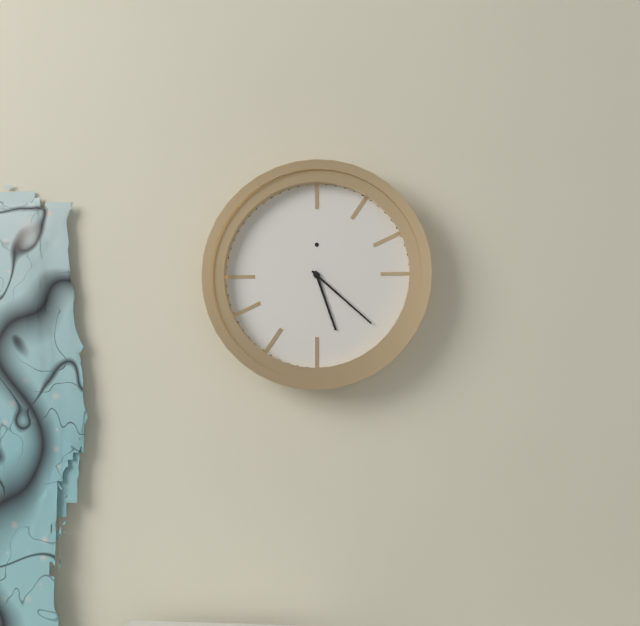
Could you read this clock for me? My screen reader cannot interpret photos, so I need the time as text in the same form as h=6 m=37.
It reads h=5 m=22
